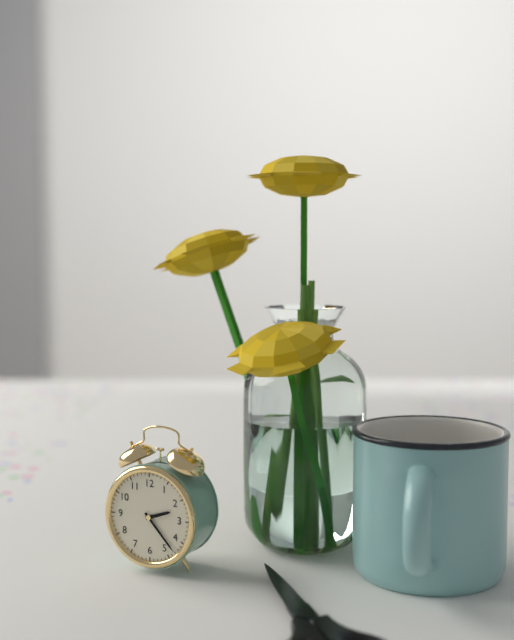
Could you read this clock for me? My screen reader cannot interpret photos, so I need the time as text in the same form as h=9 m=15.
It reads h=2 m=23
